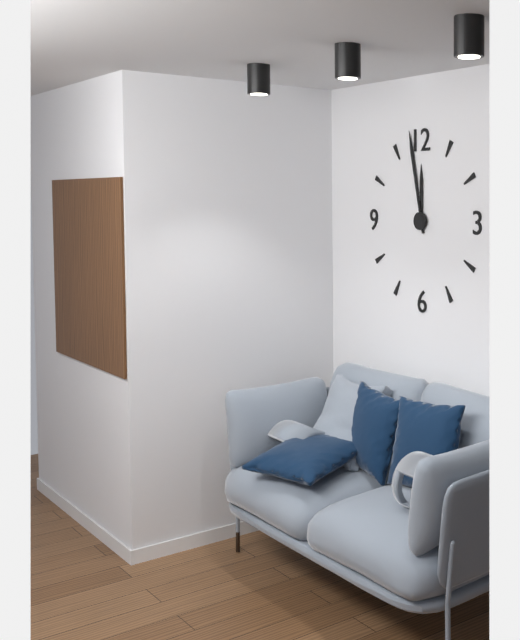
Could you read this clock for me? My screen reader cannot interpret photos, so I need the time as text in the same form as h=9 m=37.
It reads h=11 m=58
